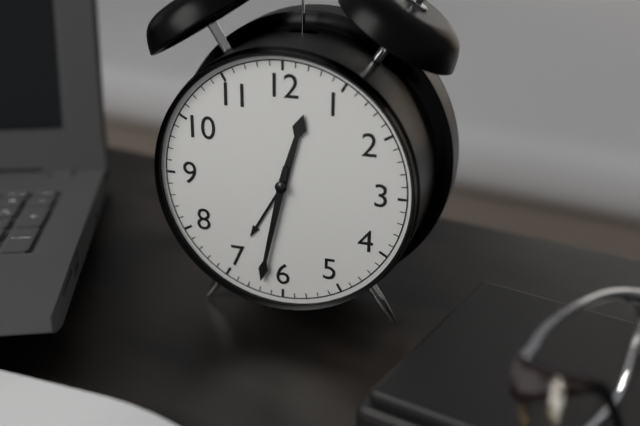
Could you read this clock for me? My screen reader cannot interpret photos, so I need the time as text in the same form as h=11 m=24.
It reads h=12 m=32
